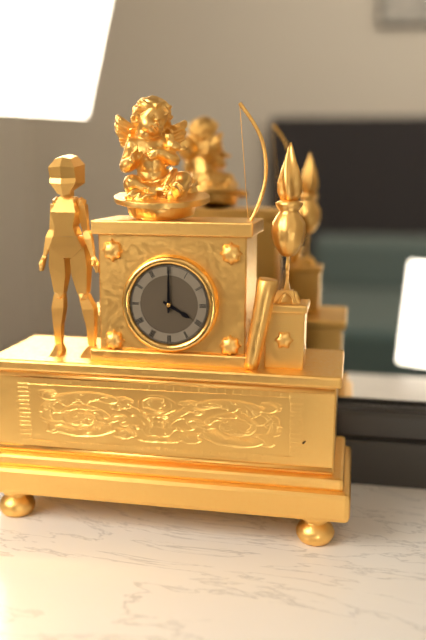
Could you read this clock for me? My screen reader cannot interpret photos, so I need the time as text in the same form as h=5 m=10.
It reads h=4 m=0
